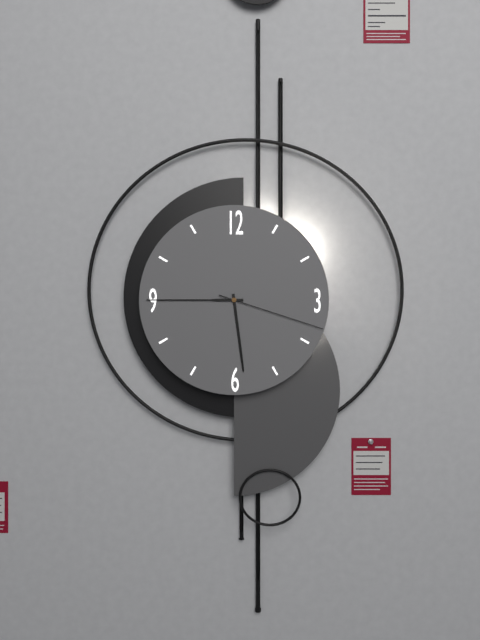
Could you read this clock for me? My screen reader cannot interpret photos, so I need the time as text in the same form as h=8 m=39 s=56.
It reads h=5 m=45 s=18
